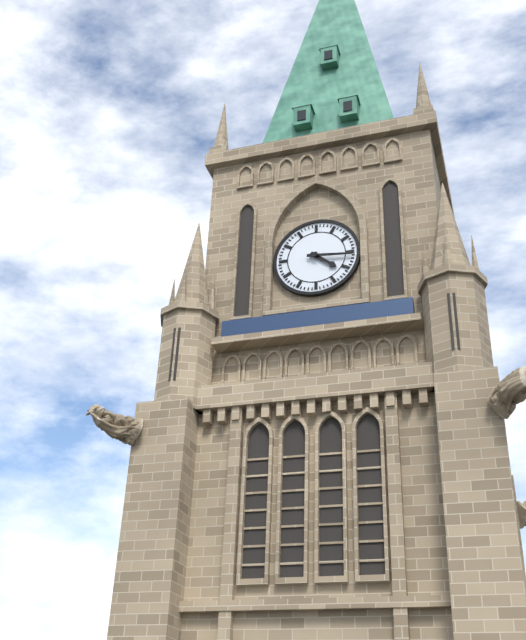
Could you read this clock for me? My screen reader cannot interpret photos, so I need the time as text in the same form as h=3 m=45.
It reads h=4 m=16
